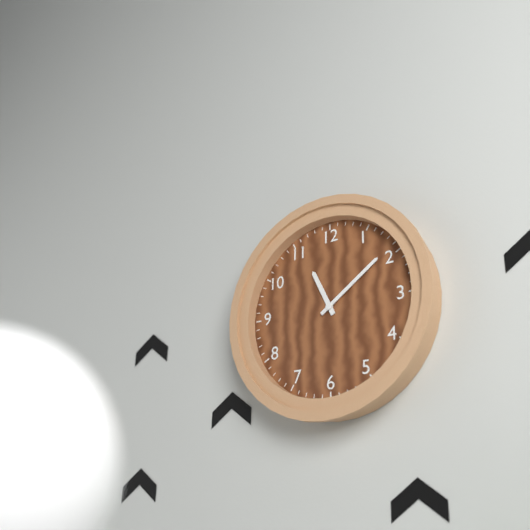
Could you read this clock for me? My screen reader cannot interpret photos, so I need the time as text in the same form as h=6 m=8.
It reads h=11 m=9
